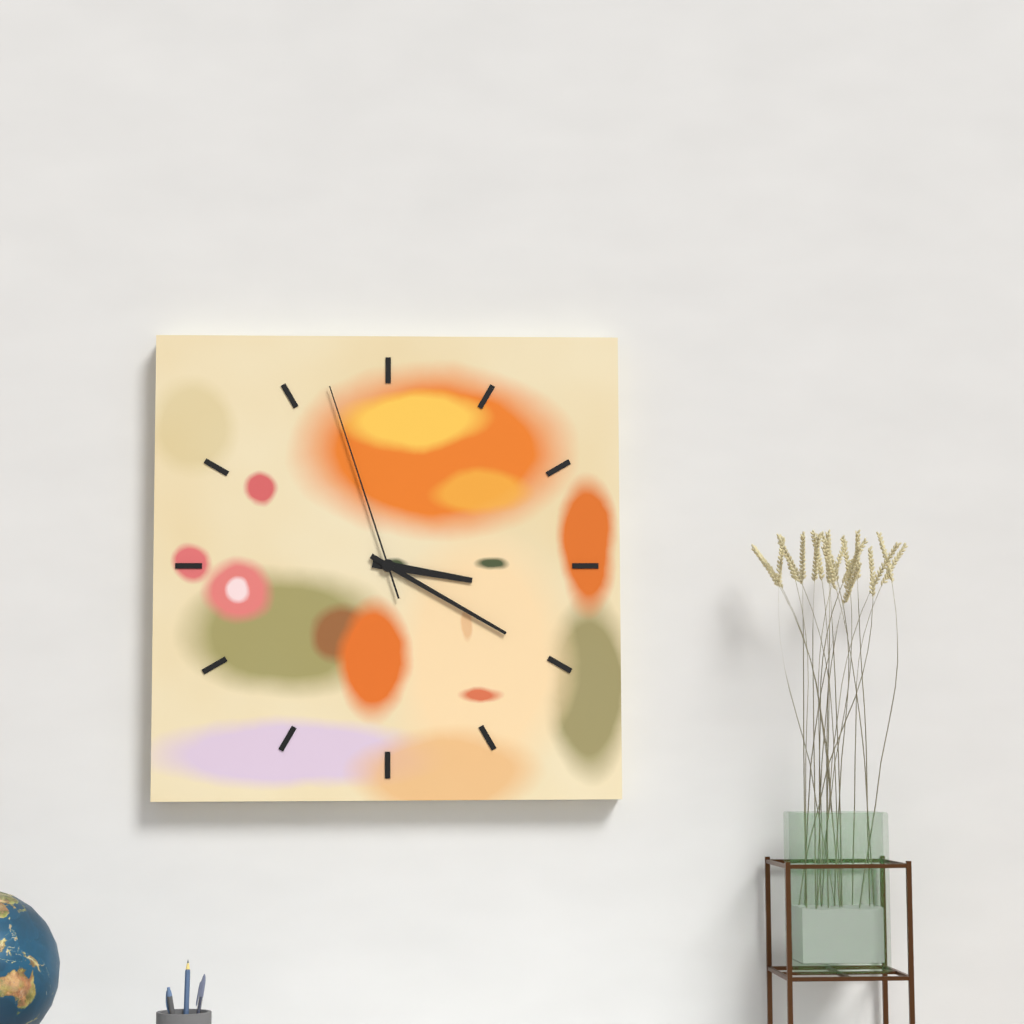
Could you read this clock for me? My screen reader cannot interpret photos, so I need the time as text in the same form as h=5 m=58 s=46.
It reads h=3 m=20 s=57
